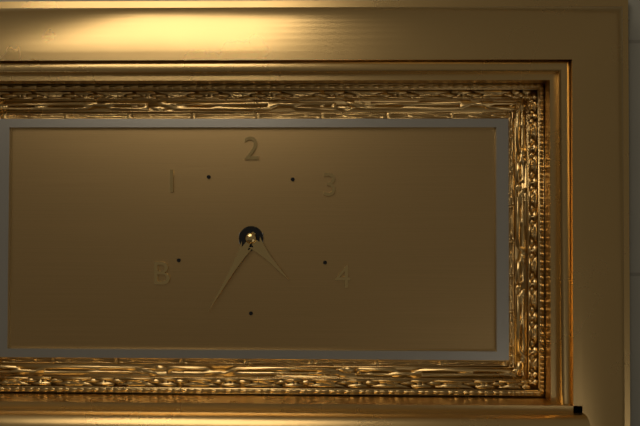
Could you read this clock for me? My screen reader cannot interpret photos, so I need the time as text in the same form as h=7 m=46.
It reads h=4 m=35
